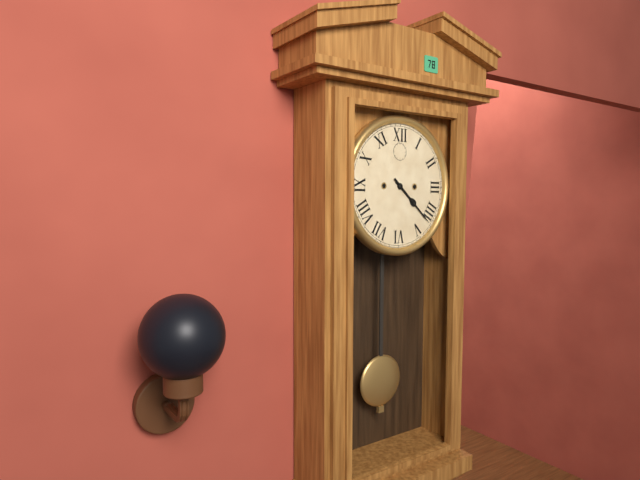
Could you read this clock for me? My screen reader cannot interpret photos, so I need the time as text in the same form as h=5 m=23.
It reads h=4 m=22
